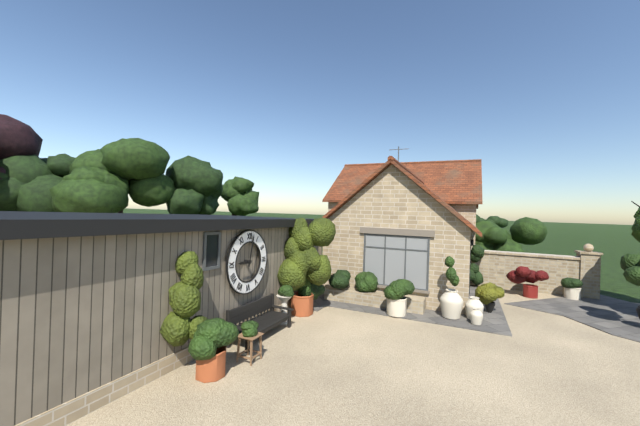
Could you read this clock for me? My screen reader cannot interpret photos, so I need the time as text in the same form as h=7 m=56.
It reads h=9 m=2
